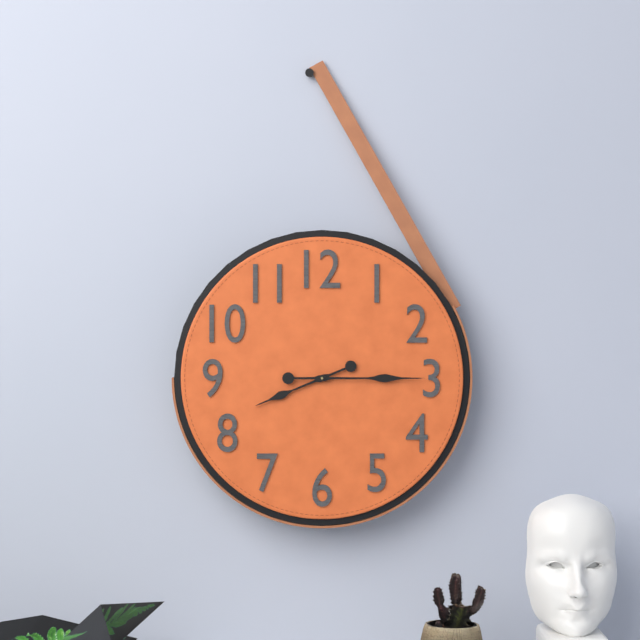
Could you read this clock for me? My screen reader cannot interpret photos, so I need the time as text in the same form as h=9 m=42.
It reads h=8 m=15
